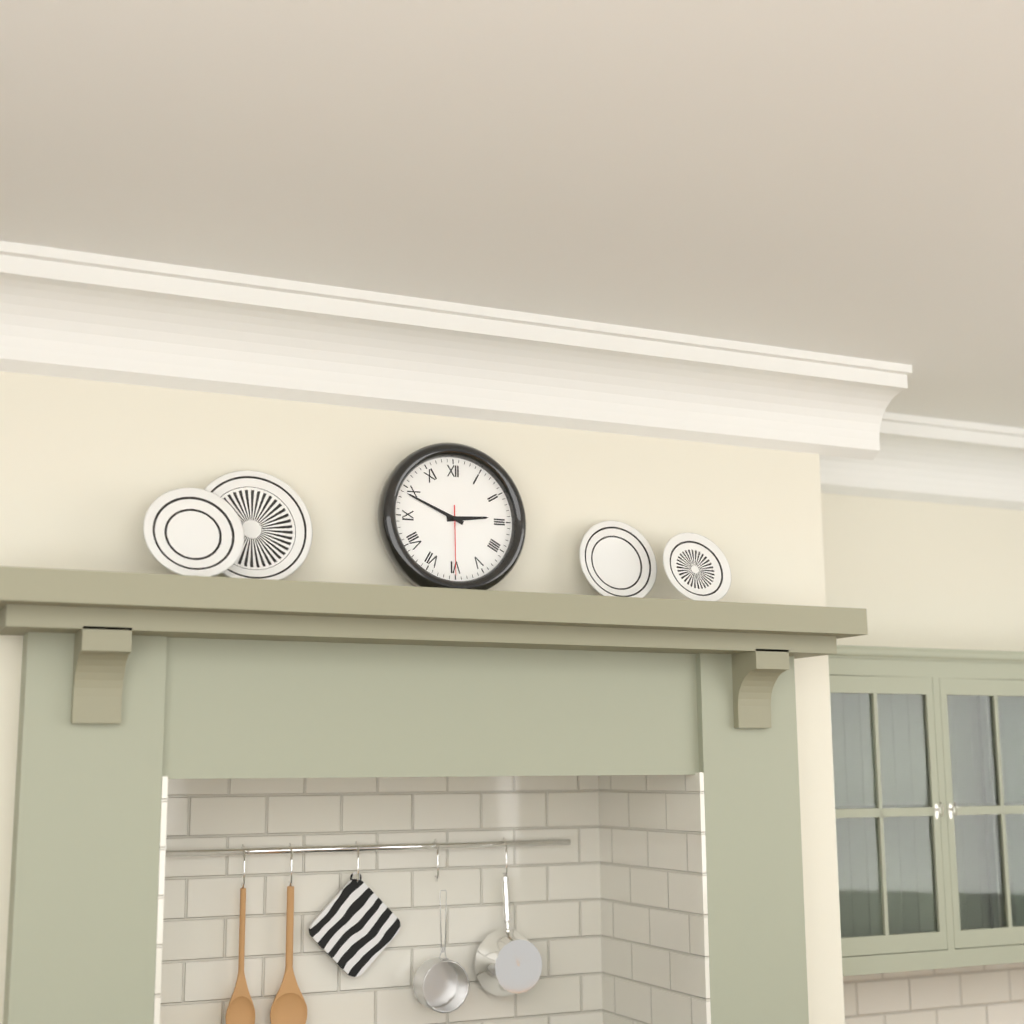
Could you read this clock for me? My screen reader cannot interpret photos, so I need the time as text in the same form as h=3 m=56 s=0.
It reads h=2 m=49 s=30
